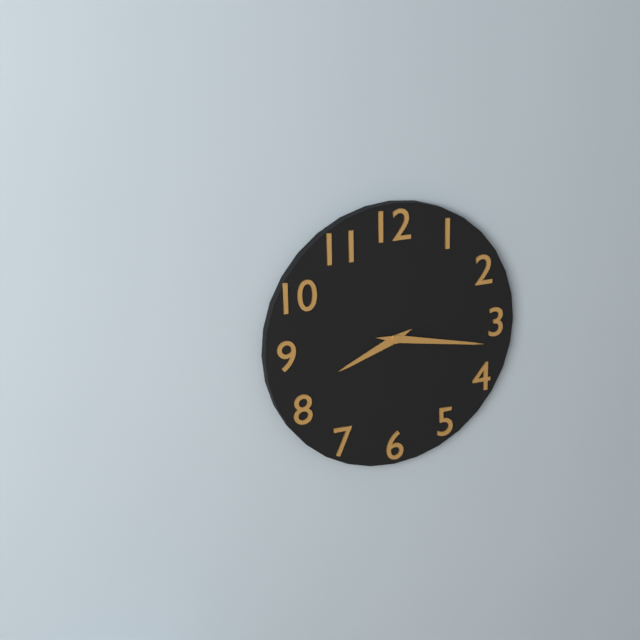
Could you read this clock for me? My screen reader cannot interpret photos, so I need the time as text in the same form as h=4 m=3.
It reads h=8 m=17
